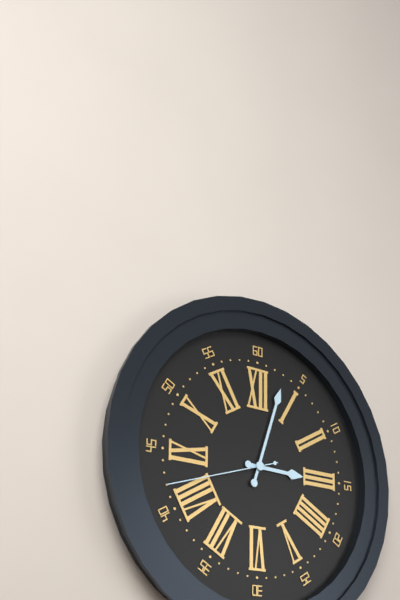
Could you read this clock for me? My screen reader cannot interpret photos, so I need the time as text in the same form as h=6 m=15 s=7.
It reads h=3 m=3 s=42
